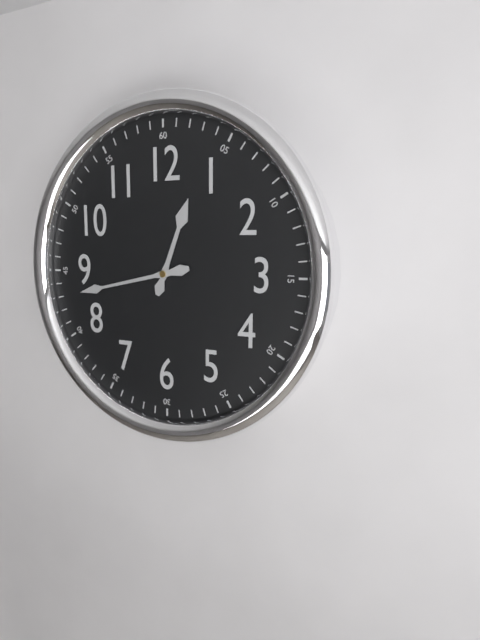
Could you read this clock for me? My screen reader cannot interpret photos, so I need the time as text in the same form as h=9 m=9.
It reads h=12 m=43
